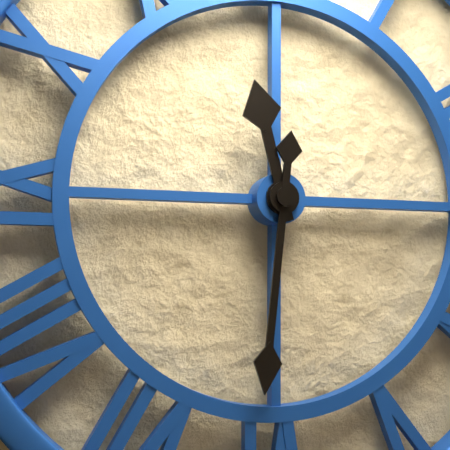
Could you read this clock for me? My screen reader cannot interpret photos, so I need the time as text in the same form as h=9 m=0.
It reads h=11 m=31
